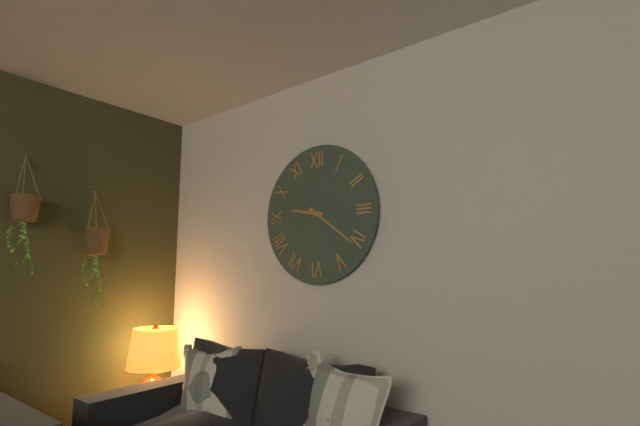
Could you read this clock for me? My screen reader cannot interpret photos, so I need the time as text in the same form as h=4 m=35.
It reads h=9 m=21
